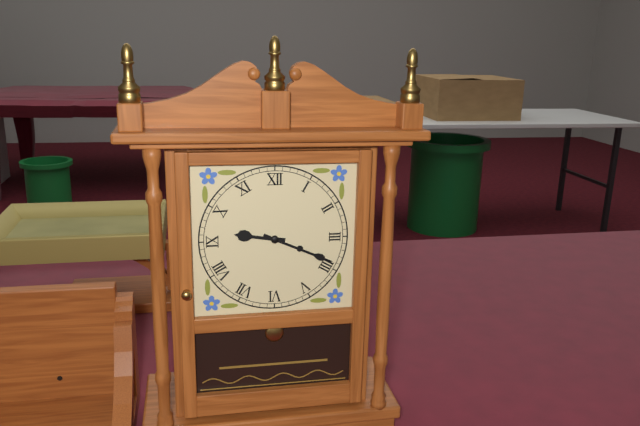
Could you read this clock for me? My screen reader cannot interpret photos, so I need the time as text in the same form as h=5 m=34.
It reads h=9 m=19
